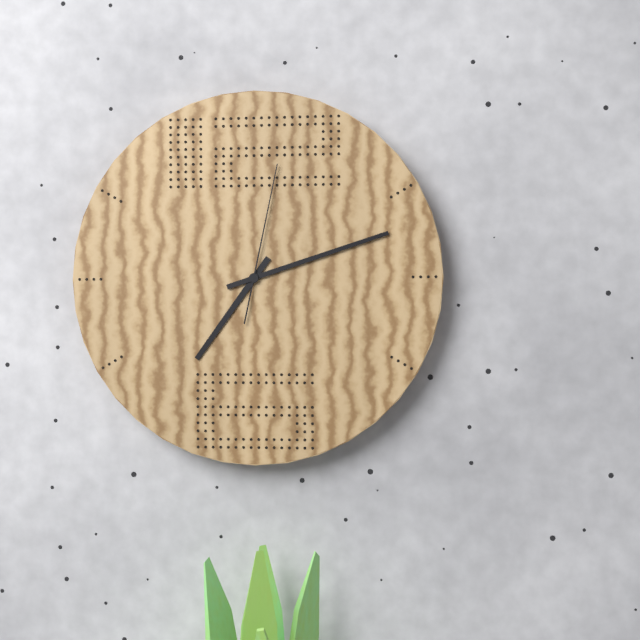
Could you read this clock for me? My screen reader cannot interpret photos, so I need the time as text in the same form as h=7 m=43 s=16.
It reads h=7 m=12 s=2
